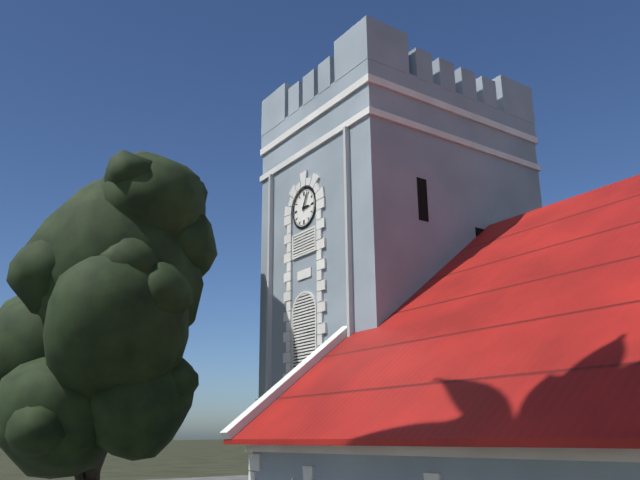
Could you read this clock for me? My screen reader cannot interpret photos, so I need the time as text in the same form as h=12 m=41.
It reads h=3 m=4
